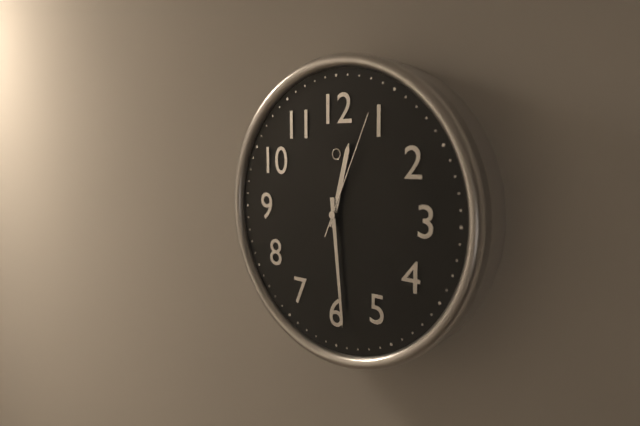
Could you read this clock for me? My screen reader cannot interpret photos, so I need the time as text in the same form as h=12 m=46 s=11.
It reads h=12 m=29 s=4
